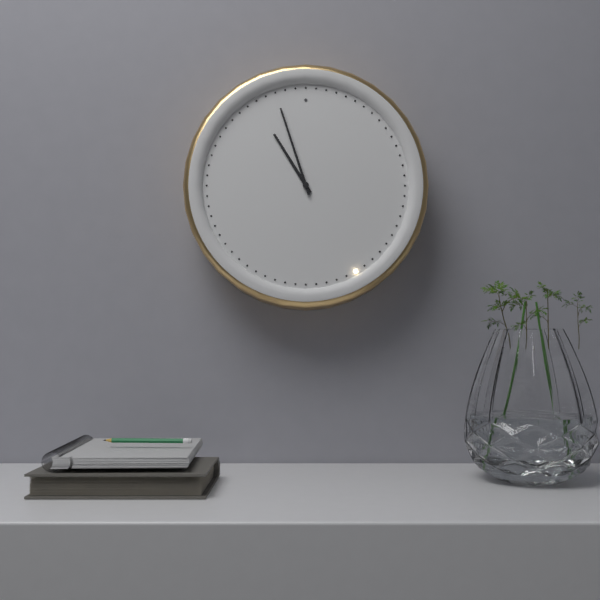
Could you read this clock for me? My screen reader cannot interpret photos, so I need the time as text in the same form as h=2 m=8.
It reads h=10 m=57
